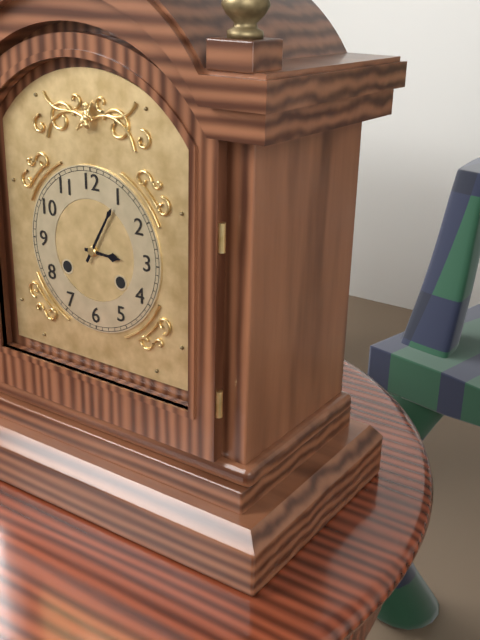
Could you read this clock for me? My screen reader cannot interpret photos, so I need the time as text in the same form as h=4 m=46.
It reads h=3 m=5
